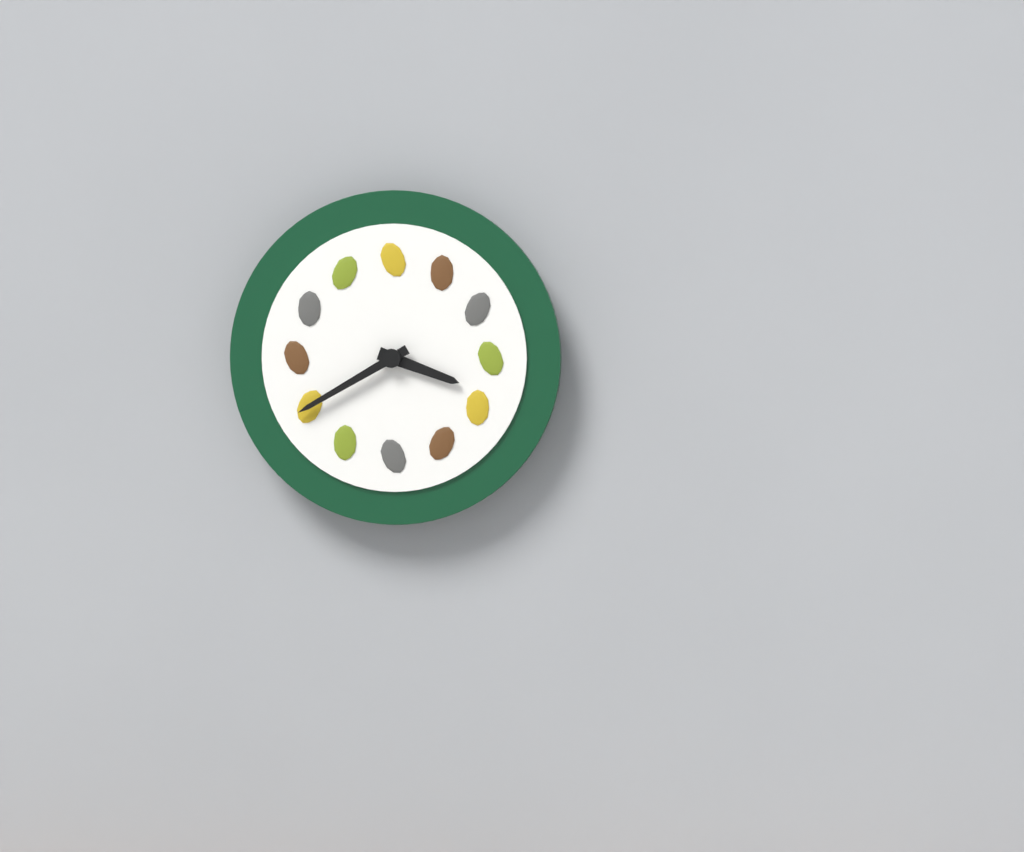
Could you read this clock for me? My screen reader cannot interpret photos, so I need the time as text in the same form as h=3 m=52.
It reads h=3 m=40
